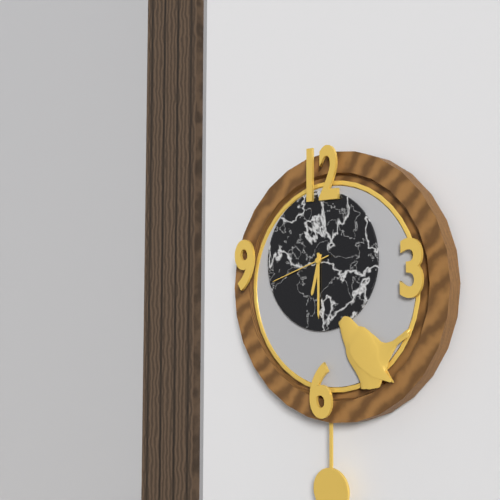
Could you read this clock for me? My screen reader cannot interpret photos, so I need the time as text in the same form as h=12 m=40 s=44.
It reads h=6 m=30 s=42
